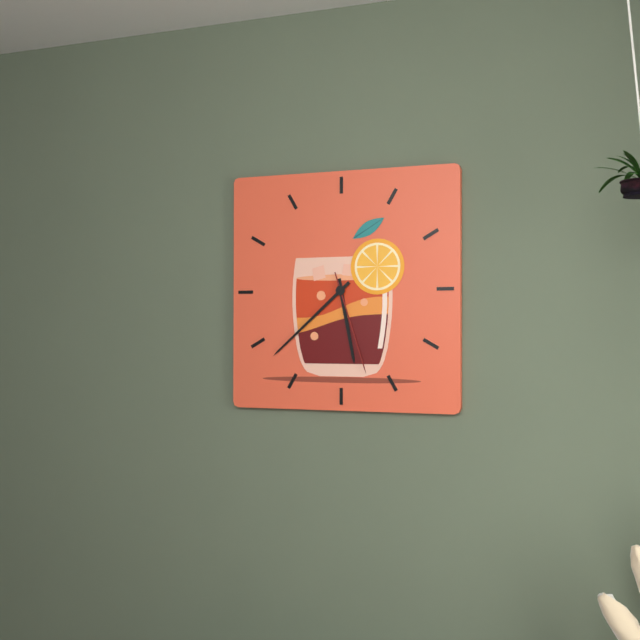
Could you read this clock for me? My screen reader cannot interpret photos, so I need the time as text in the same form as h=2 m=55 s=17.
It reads h=5 m=38 s=27
